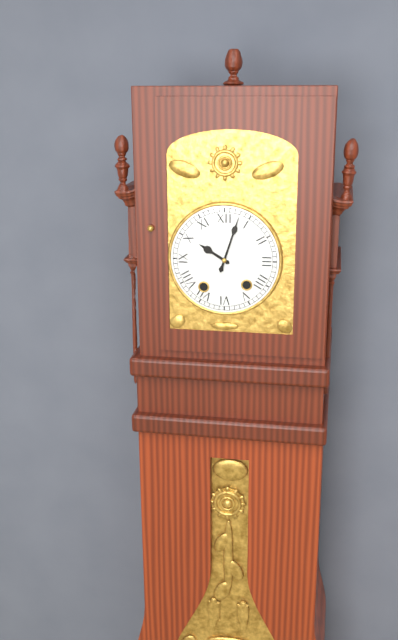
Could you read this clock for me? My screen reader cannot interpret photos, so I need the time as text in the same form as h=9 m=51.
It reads h=10 m=3
